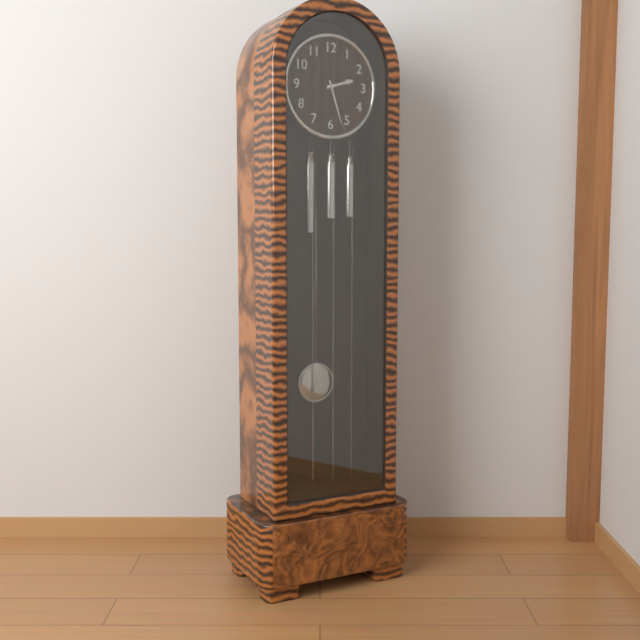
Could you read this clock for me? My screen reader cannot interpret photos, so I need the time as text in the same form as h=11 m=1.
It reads h=2 m=27
